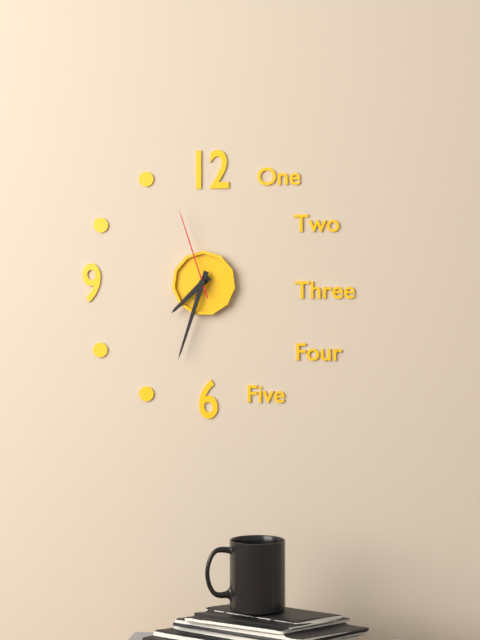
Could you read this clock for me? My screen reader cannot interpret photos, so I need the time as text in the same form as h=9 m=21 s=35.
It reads h=7 m=33 s=57
